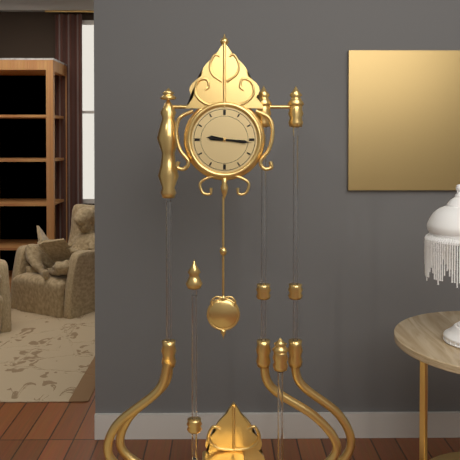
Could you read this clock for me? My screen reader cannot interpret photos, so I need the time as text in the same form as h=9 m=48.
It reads h=9 m=16
